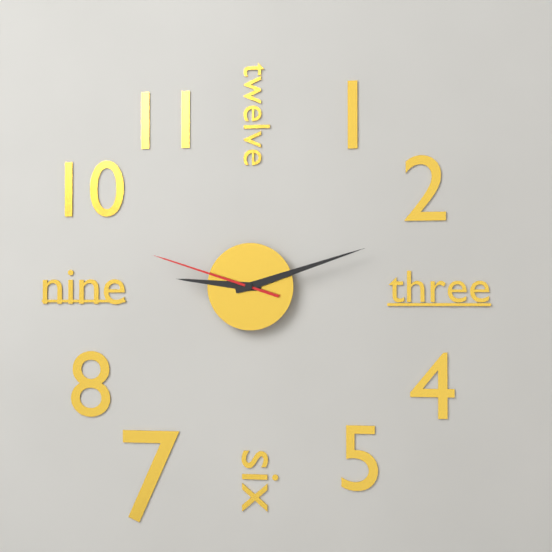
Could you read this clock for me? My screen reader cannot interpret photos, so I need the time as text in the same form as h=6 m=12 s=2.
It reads h=9 m=12 s=48
